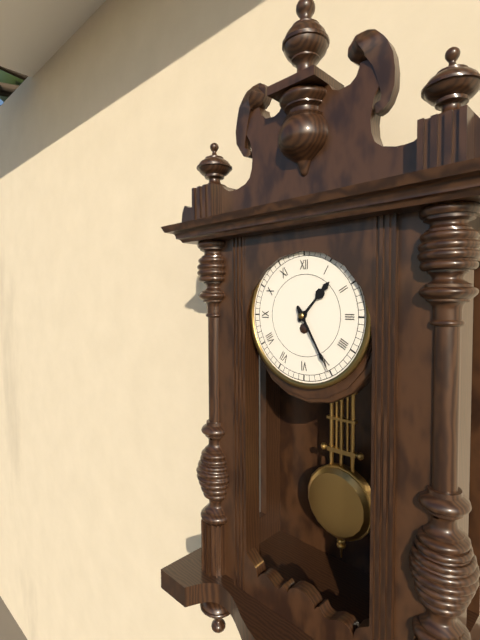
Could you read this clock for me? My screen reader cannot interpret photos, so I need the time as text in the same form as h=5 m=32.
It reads h=1 m=25
